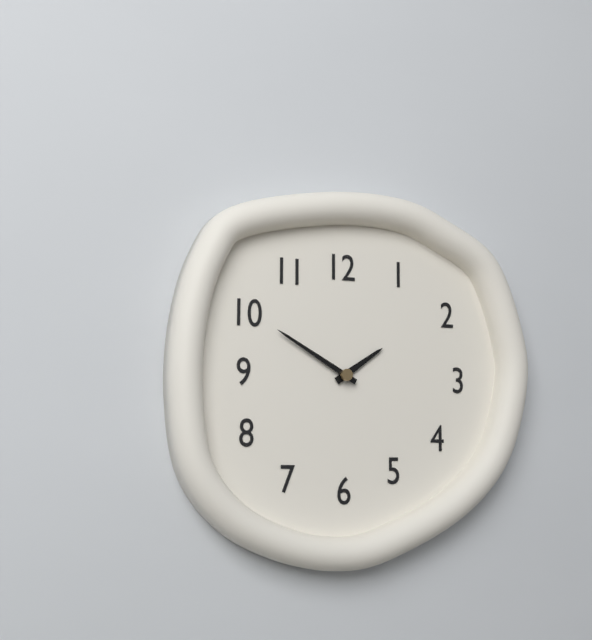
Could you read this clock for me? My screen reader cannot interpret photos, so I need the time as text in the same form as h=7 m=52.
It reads h=1 m=50
